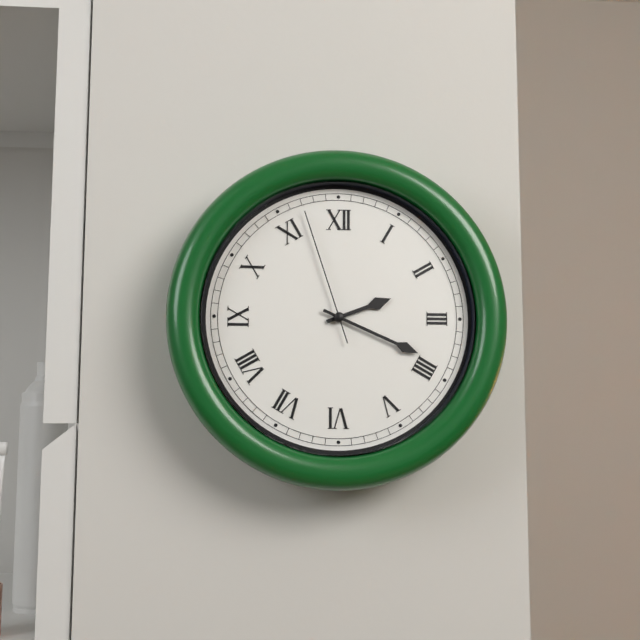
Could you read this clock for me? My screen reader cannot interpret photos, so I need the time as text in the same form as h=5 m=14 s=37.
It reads h=2 m=19 s=57
